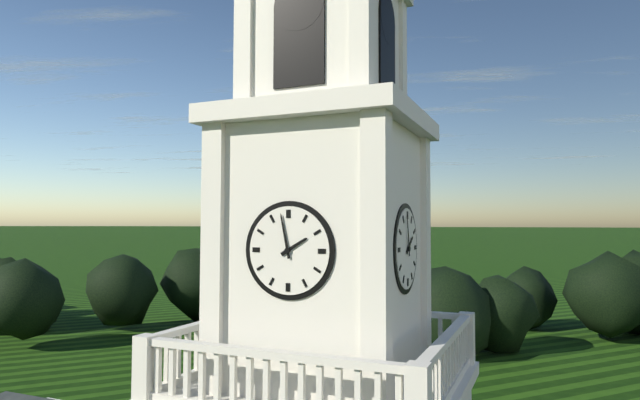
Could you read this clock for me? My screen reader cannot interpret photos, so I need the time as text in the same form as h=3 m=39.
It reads h=1 m=58
